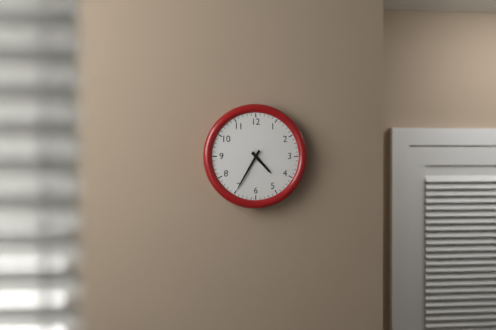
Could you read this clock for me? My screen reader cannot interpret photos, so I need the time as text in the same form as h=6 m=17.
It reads h=4 m=35
